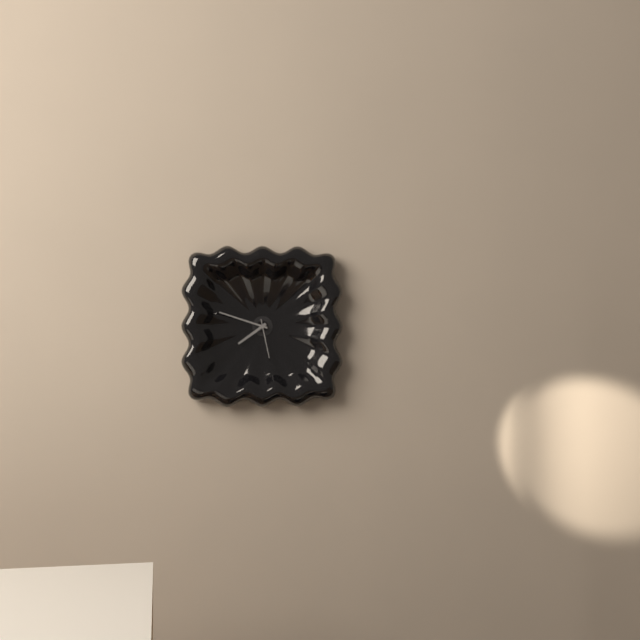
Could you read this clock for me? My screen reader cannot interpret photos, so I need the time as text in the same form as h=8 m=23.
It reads h=7 m=48
